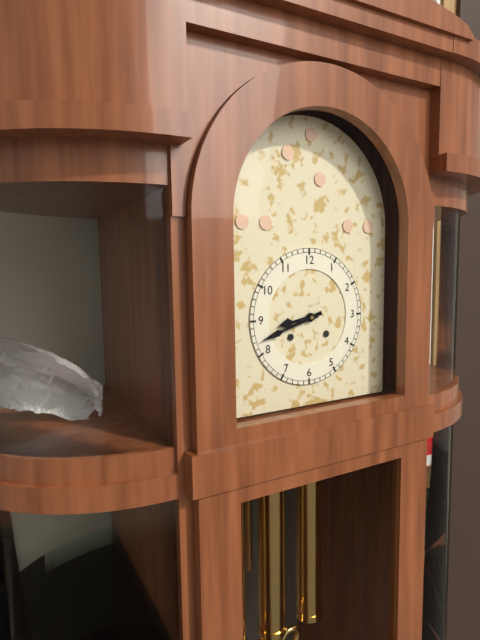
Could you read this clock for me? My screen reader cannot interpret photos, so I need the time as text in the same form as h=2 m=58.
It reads h=8 m=42
